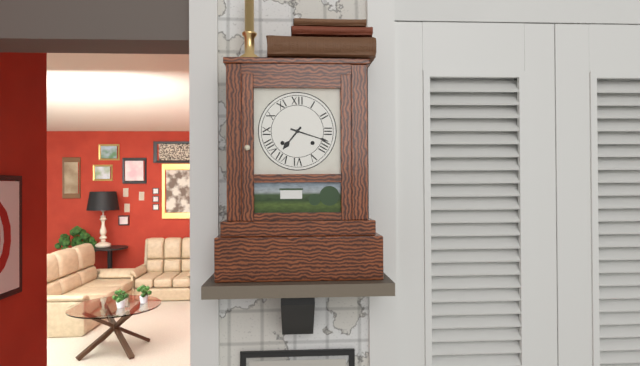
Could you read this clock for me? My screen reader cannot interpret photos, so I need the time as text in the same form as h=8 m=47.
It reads h=7 m=18
